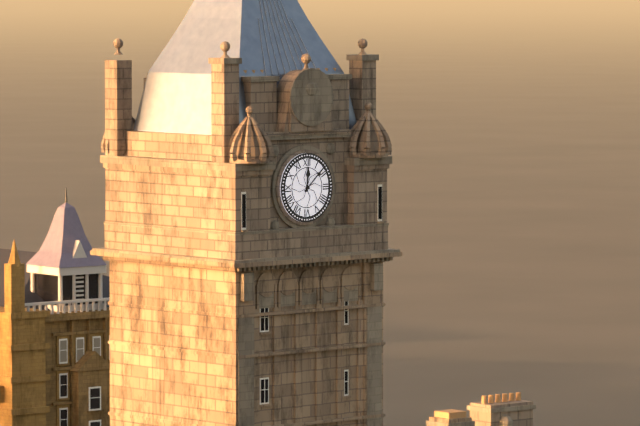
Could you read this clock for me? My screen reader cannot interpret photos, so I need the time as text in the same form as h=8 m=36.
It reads h=12 m=8
